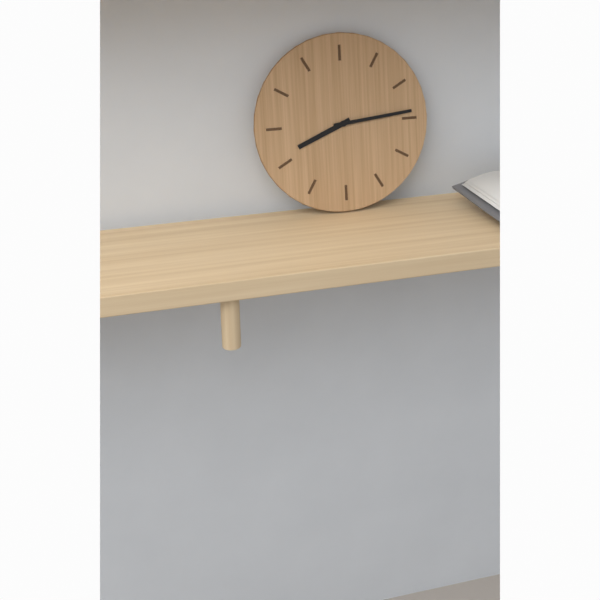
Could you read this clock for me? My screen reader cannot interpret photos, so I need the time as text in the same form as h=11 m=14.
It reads h=8 m=14
